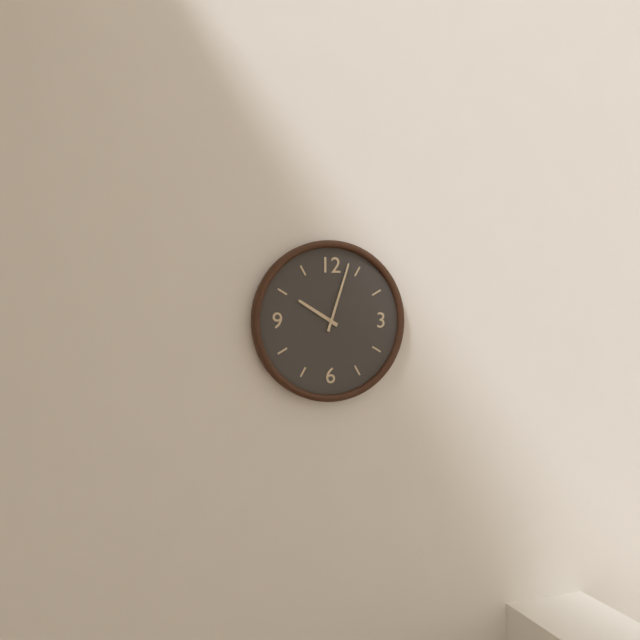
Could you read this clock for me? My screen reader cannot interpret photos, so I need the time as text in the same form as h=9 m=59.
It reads h=10 m=3
